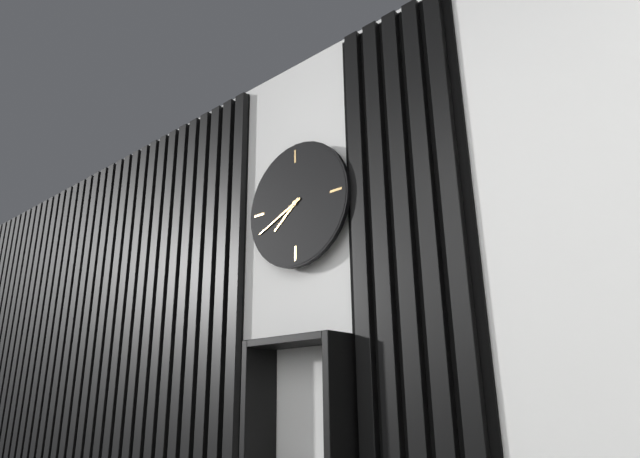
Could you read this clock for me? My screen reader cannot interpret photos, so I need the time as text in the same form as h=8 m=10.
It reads h=7 m=41
